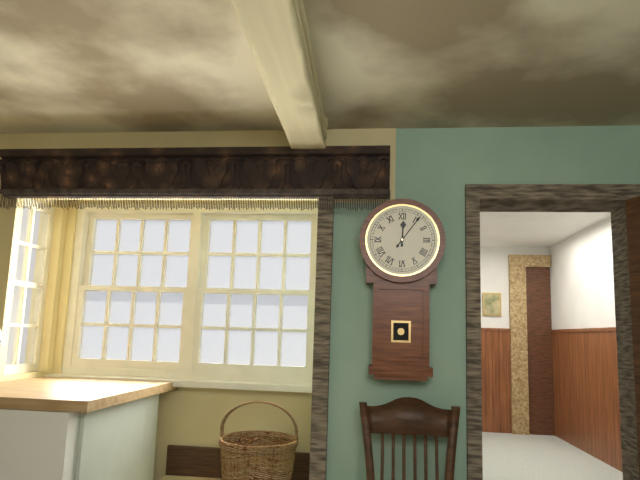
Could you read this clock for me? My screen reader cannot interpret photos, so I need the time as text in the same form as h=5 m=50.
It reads h=12 m=6
